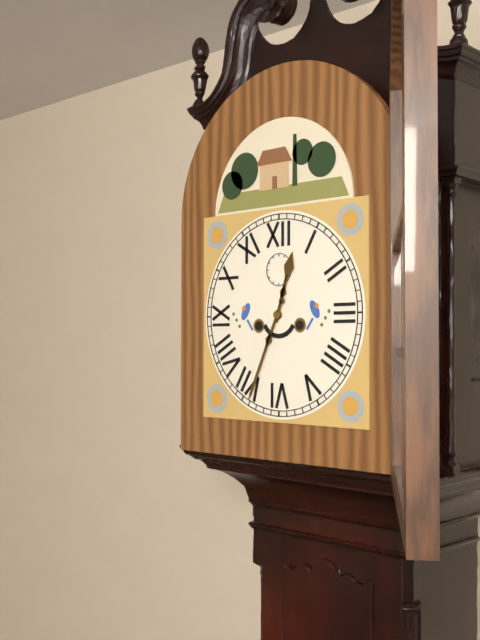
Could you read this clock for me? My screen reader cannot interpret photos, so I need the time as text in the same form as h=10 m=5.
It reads h=12 m=34
